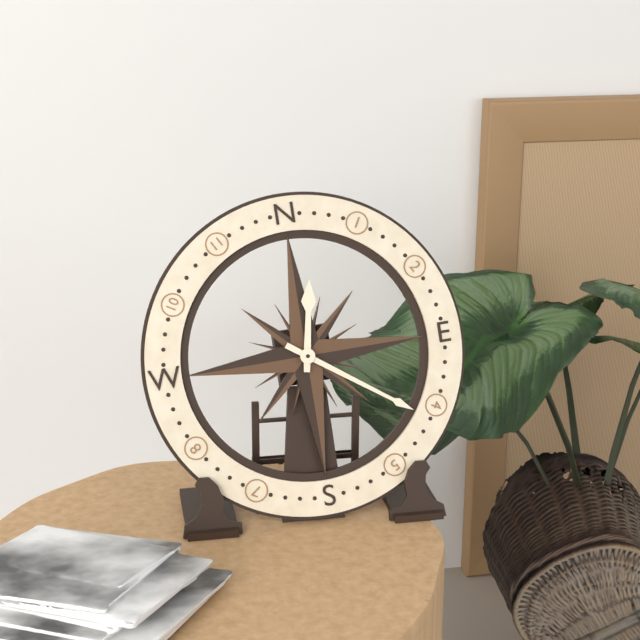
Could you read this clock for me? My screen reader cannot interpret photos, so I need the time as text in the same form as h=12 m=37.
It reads h=12 m=21
